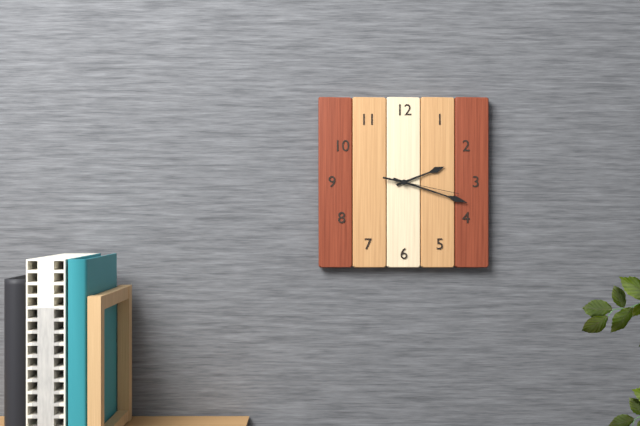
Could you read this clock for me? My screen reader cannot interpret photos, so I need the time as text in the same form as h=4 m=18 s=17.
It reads h=2 m=18 s=17
